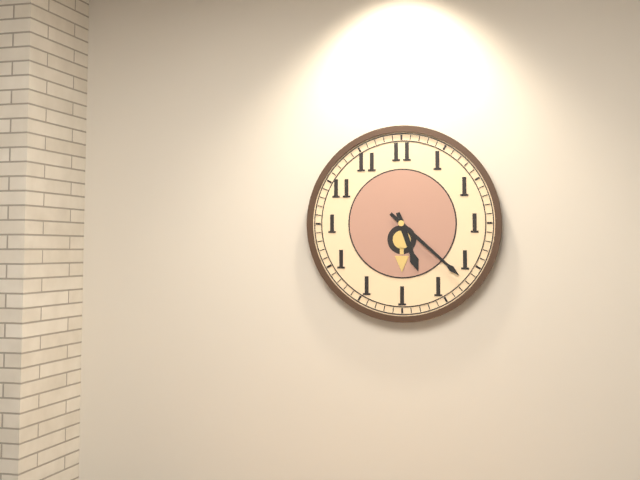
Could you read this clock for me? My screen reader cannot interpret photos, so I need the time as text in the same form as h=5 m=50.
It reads h=5 m=22
